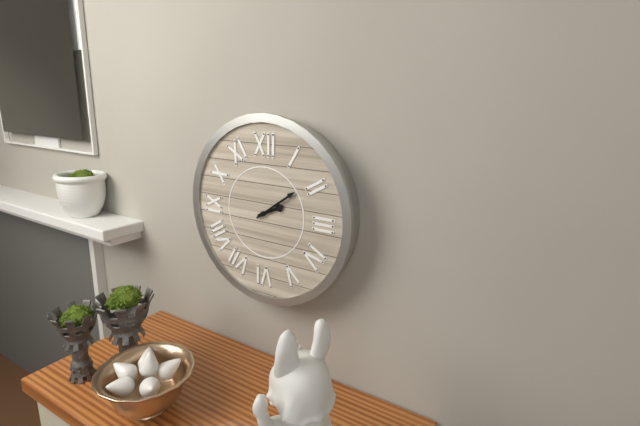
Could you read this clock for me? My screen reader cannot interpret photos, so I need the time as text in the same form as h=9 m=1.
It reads h=2 m=9
